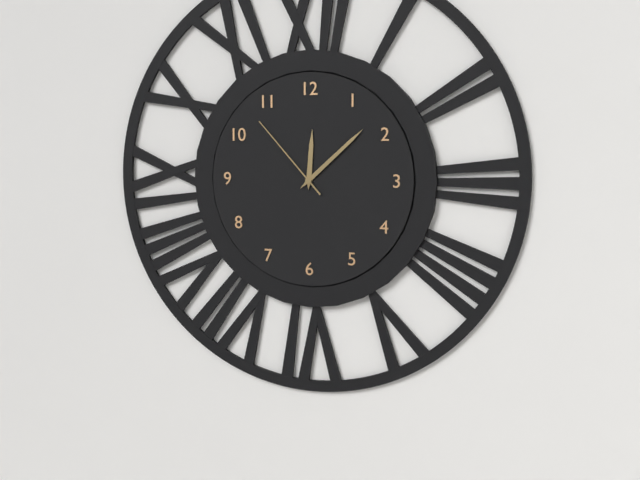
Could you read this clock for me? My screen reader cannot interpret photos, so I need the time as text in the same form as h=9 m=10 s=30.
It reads h=12 m=8 s=53
